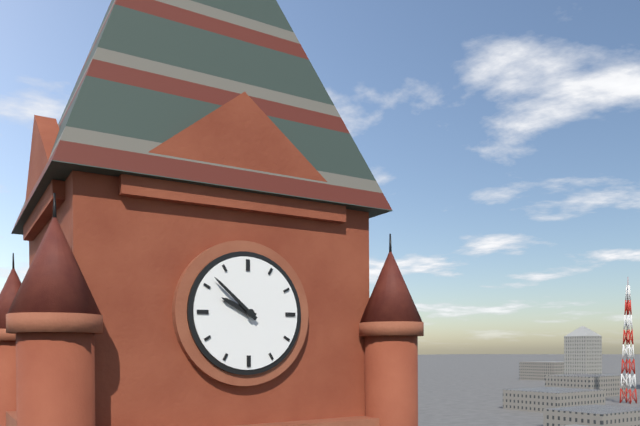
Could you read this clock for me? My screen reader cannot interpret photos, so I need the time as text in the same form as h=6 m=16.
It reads h=9 m=52
